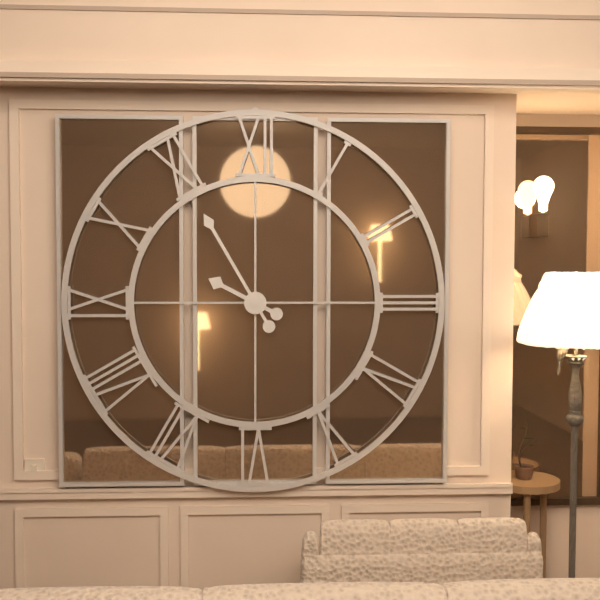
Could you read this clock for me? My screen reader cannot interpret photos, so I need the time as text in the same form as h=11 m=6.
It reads h=9 m=55
